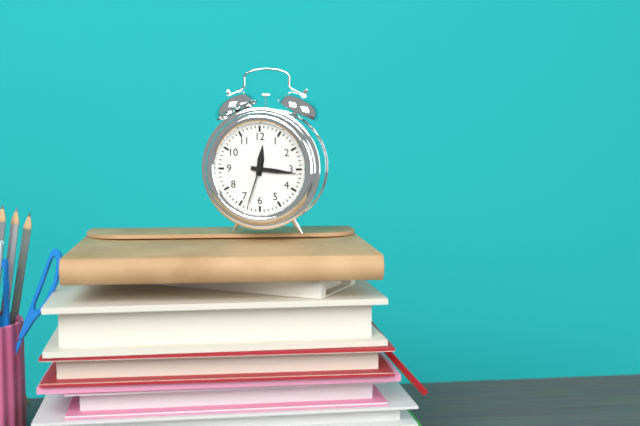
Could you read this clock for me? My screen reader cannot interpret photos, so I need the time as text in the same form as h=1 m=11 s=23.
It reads h=12 m=16 s=33
